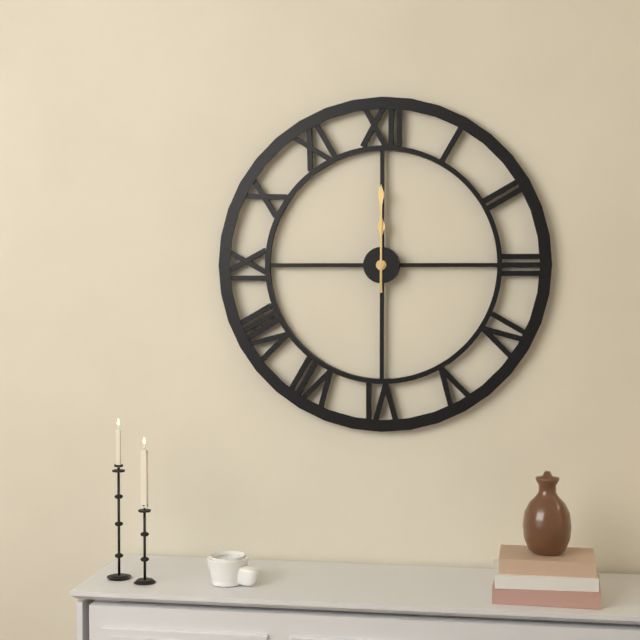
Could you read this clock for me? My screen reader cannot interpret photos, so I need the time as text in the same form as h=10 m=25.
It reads h=12 m=0
